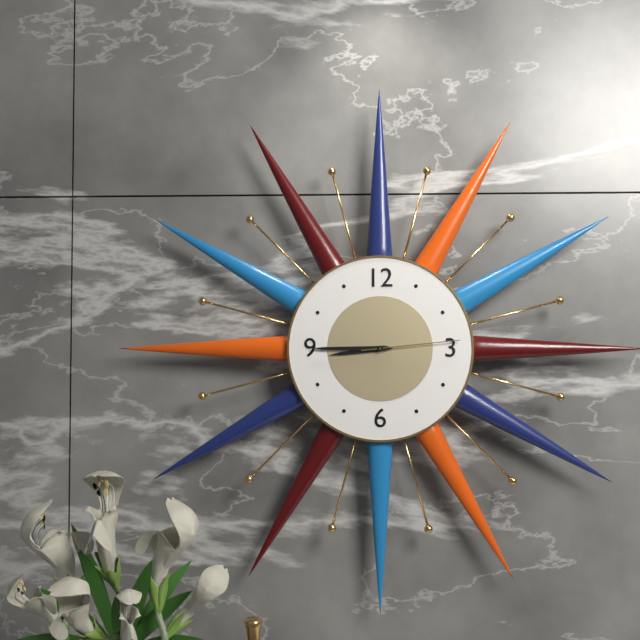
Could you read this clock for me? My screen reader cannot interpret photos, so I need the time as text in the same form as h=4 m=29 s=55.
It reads h=8 m=45 s=14
